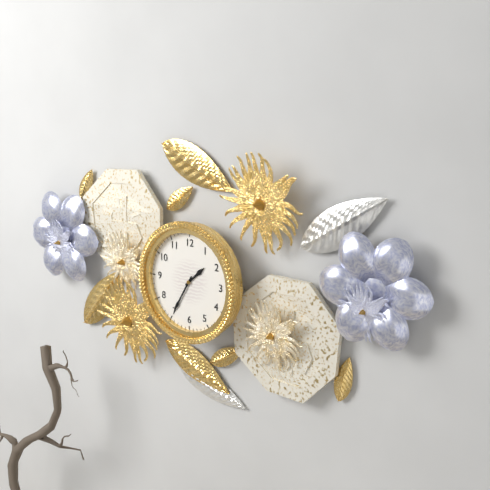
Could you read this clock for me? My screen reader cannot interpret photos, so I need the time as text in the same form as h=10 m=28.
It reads h=1 m=35
